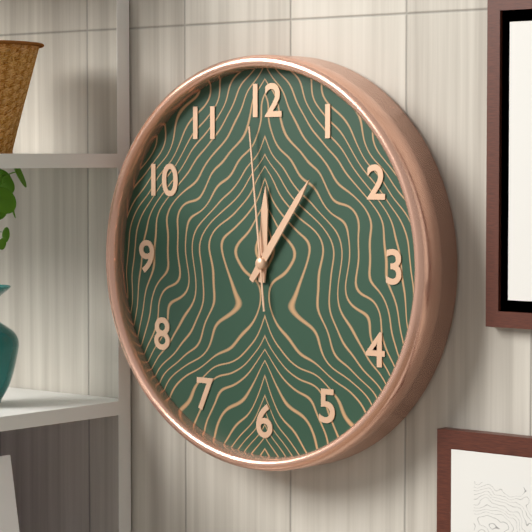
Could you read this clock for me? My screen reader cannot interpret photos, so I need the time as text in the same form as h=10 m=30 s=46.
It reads h=12 m=6 s=59
